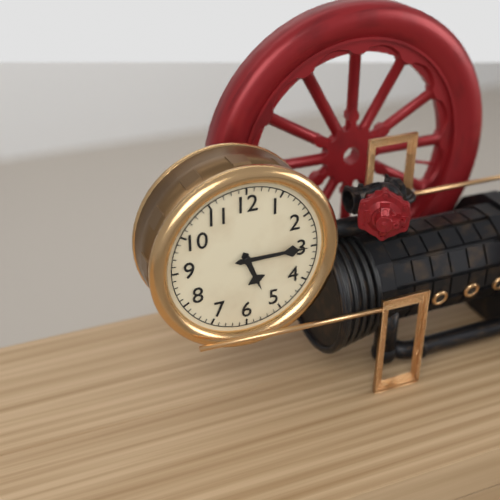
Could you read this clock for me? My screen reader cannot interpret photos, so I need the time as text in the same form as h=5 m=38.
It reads h=5 m=15
